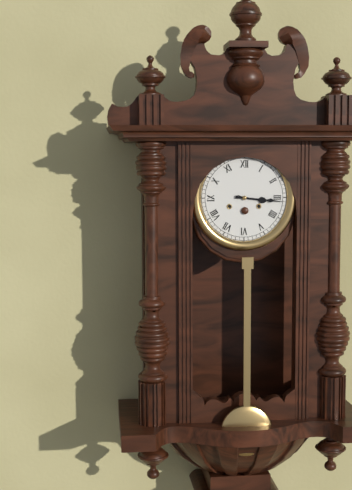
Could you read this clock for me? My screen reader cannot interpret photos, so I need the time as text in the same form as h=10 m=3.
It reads h=3 m=16
